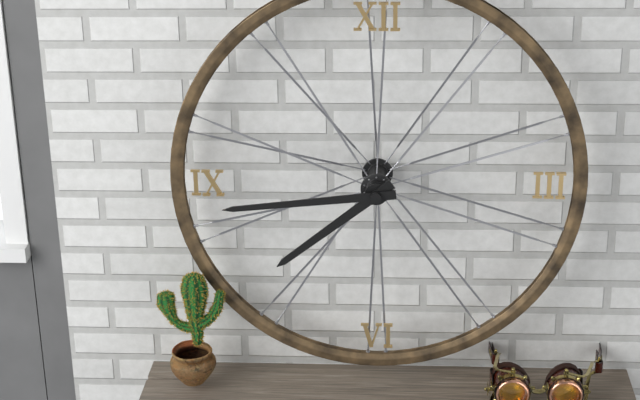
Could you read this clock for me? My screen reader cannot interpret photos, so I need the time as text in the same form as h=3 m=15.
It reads h=7 m=44
